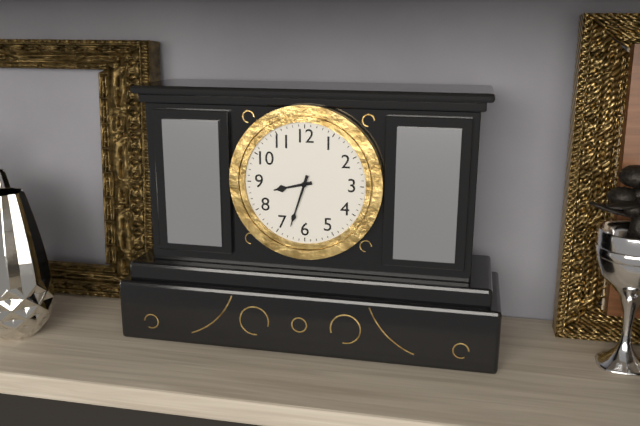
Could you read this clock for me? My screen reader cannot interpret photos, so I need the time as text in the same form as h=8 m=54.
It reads h=8 m=33
